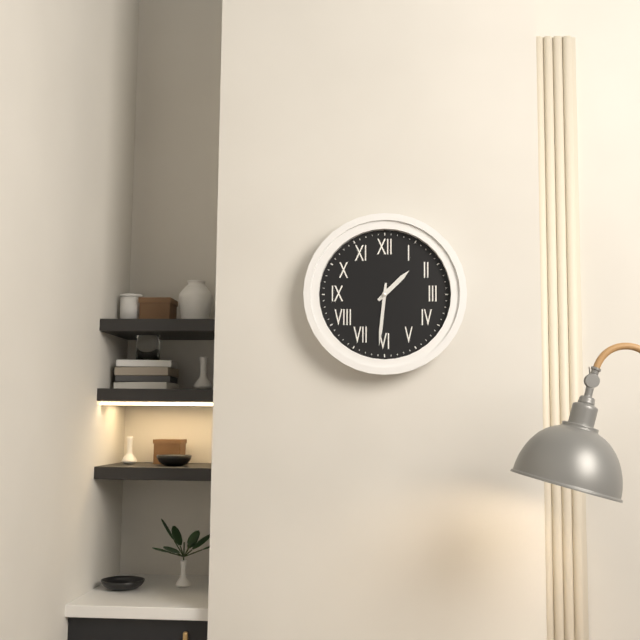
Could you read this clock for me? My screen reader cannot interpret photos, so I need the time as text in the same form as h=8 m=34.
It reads h=1 m=31
